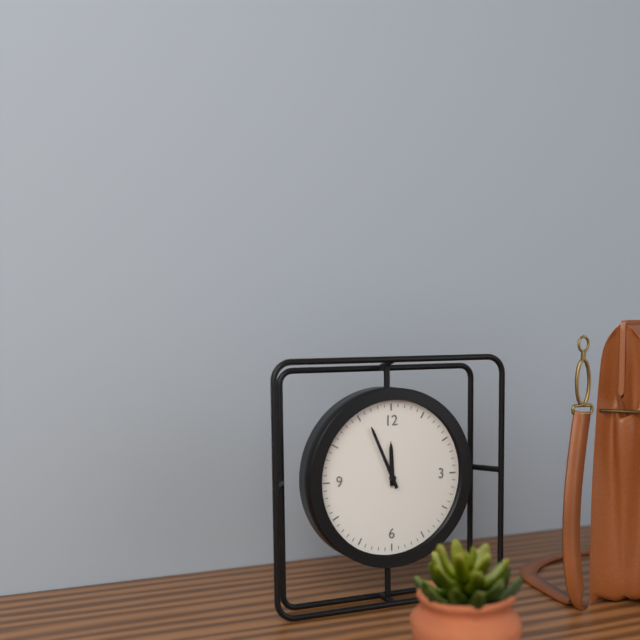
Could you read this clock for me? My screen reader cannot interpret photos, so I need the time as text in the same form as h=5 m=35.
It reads h=11 m=56
